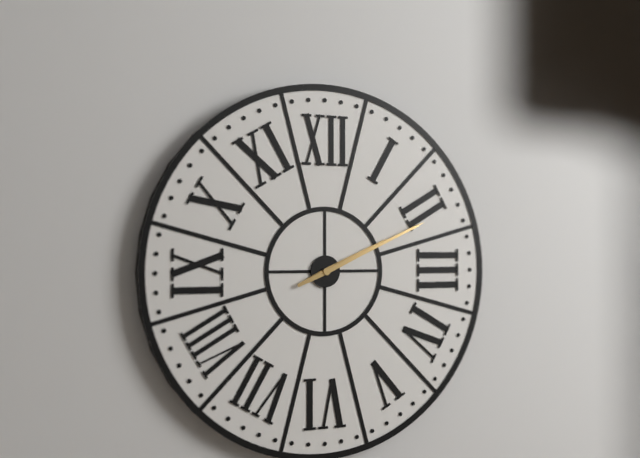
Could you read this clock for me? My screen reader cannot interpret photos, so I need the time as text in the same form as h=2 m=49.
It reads h=2 m=11
